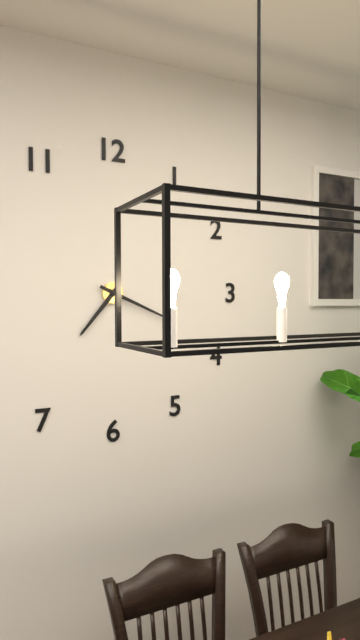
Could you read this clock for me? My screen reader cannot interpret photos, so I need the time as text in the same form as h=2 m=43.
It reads h=7 m=19
